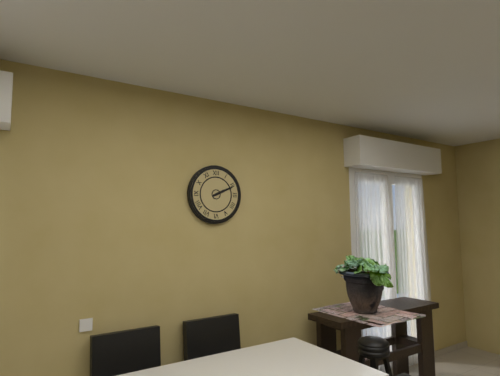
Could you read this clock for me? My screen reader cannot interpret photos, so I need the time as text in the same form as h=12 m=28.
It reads h=2 m=11
